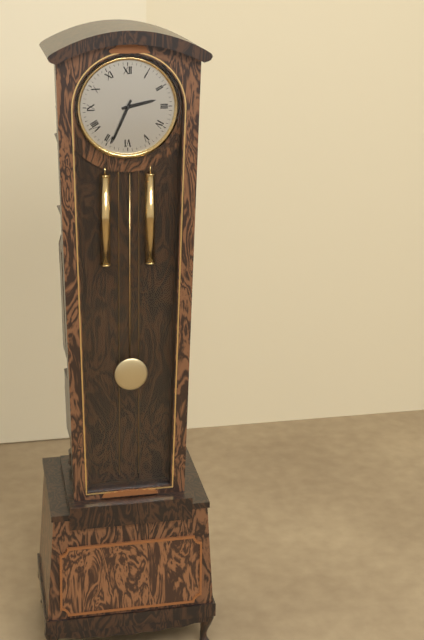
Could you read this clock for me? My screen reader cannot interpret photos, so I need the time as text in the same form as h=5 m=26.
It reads h=2 m=34
